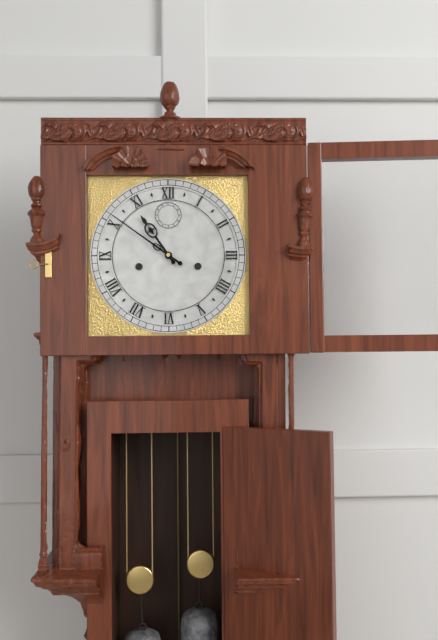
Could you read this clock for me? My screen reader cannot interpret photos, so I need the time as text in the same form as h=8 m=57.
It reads h=10 m=51
